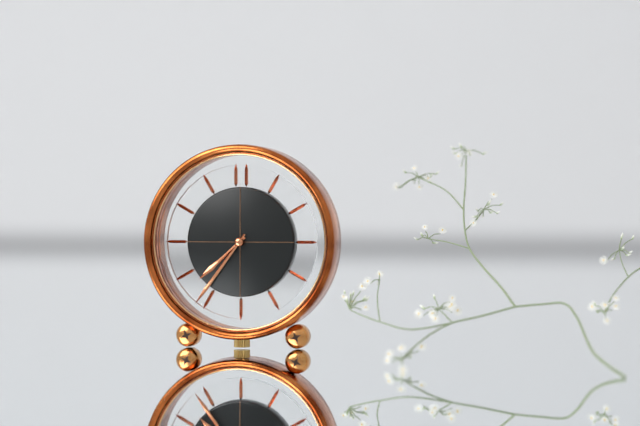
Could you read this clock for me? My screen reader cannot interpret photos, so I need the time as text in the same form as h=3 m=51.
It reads h=7 m=36
